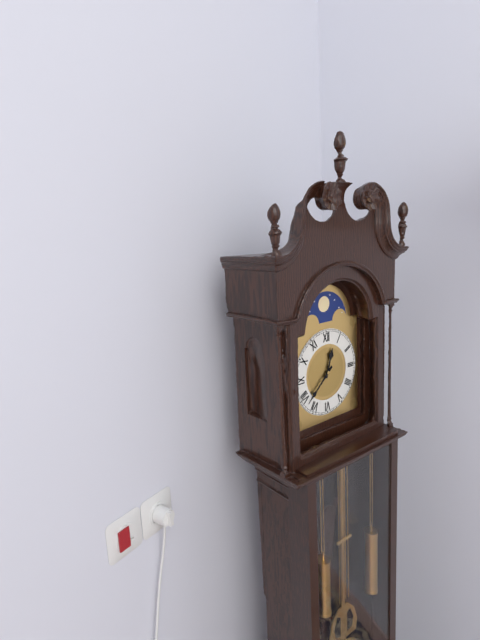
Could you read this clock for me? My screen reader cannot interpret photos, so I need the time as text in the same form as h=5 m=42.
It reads h=12 m=38
